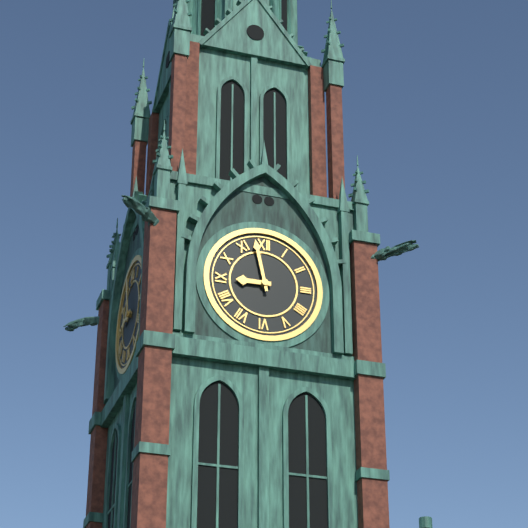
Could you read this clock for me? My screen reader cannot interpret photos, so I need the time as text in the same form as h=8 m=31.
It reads h=8 m=58
